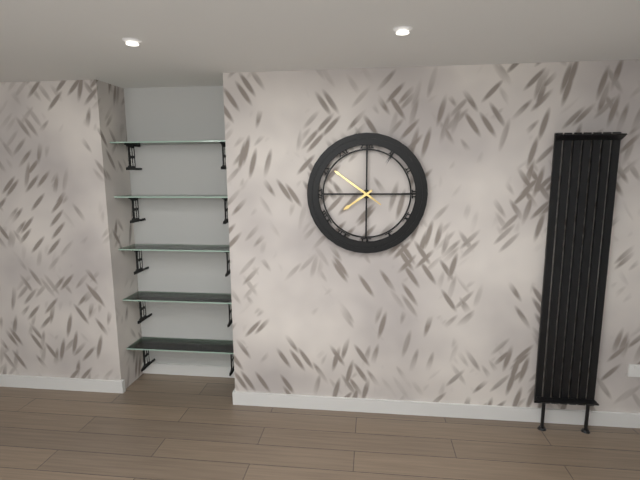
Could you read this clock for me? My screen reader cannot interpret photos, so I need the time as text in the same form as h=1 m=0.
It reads h=7 m=51
